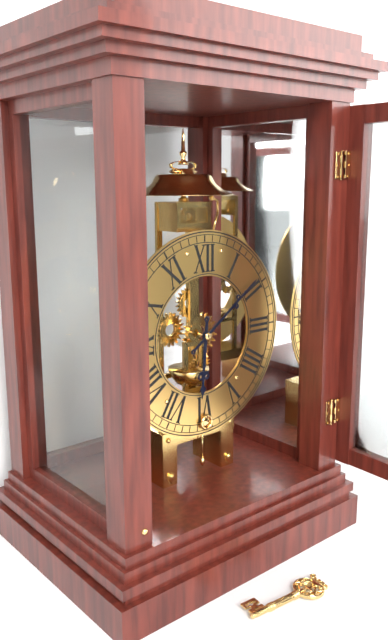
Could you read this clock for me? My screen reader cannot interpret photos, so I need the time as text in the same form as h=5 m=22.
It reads h=6 m=9
